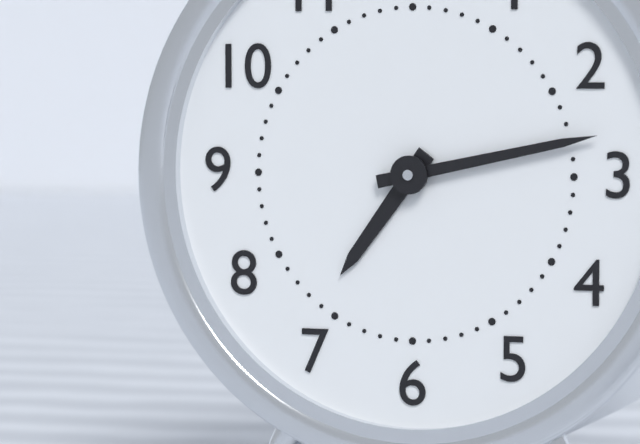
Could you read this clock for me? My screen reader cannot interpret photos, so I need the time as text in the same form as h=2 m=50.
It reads h=7 m=13
